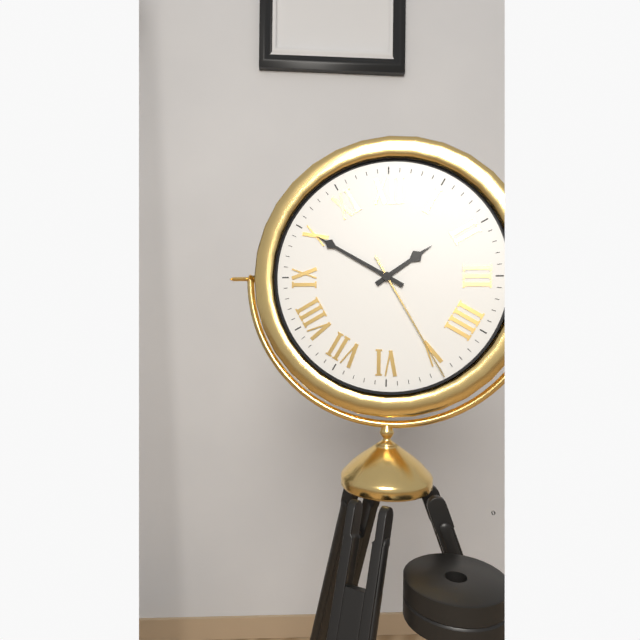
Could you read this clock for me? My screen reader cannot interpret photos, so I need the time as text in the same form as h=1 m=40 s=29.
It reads h=1 m=50 s=25
